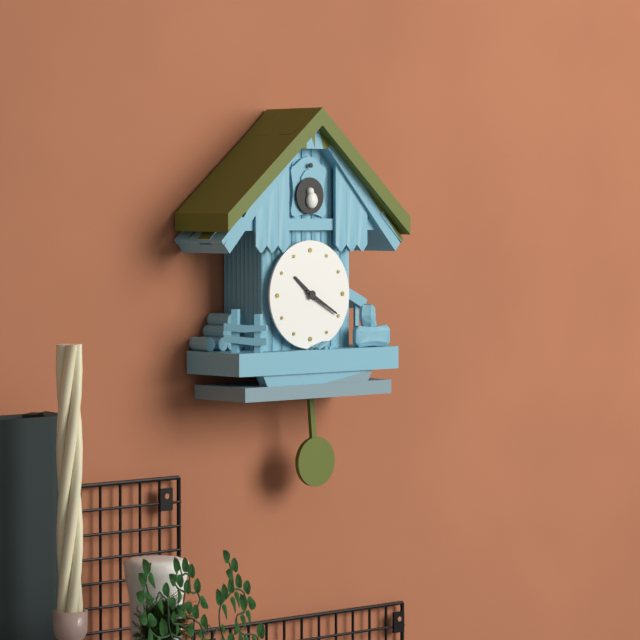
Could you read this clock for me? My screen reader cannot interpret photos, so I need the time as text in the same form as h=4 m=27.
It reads h=10 m=20
